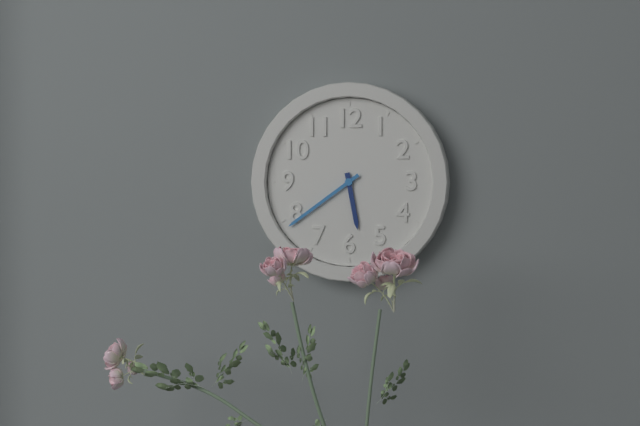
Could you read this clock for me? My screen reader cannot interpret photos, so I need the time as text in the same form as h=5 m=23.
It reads h=5 m=39
